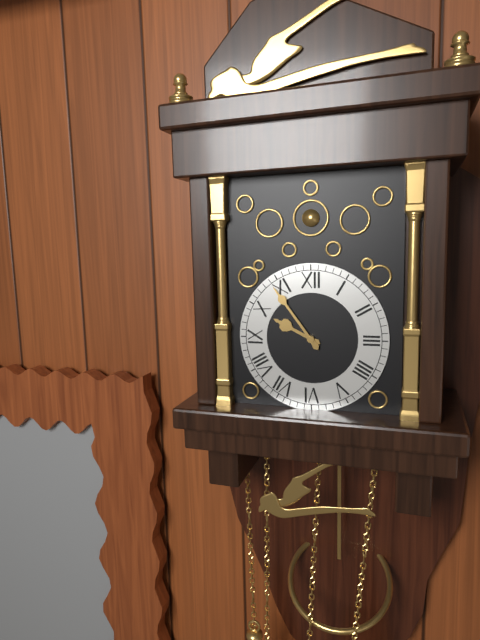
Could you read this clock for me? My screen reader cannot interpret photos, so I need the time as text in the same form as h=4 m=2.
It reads h=9 m=54
